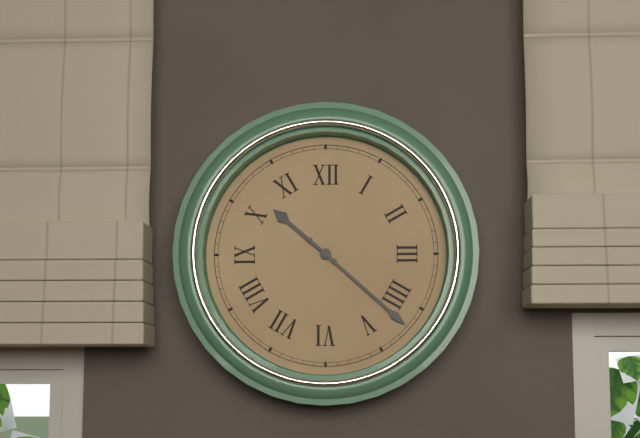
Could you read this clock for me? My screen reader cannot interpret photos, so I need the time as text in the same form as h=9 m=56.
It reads h=10 m=22
